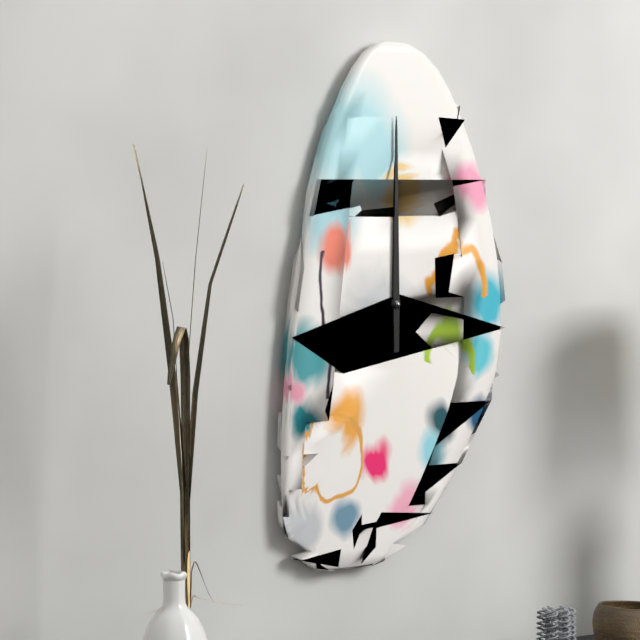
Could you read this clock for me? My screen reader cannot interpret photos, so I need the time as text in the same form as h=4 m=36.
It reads h=12 m=0
